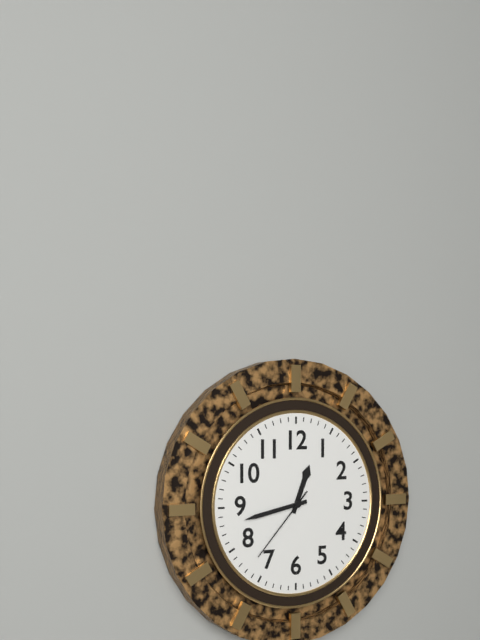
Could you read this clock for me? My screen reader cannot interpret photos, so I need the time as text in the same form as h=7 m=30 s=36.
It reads h=12 m=43 s=37
